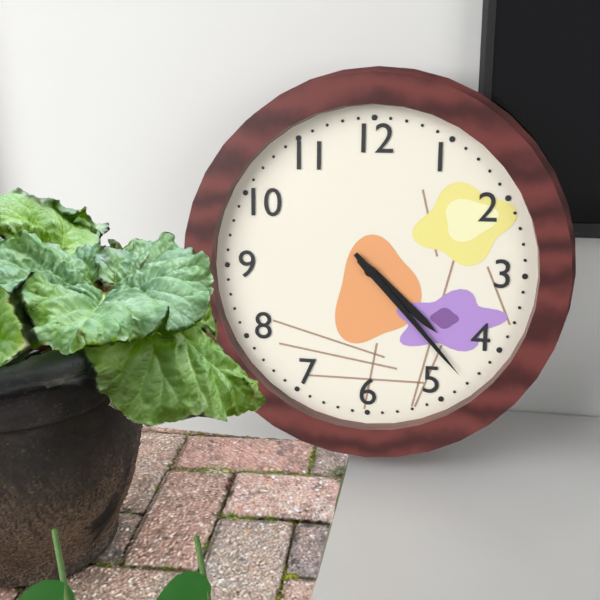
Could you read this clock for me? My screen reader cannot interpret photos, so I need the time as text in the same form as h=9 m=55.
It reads h=4 m=23
